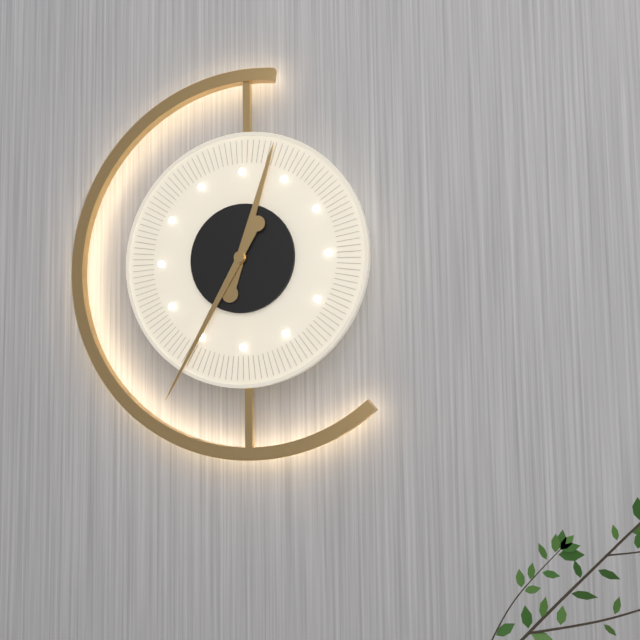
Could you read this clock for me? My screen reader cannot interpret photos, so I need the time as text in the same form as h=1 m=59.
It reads h=12 m=35
